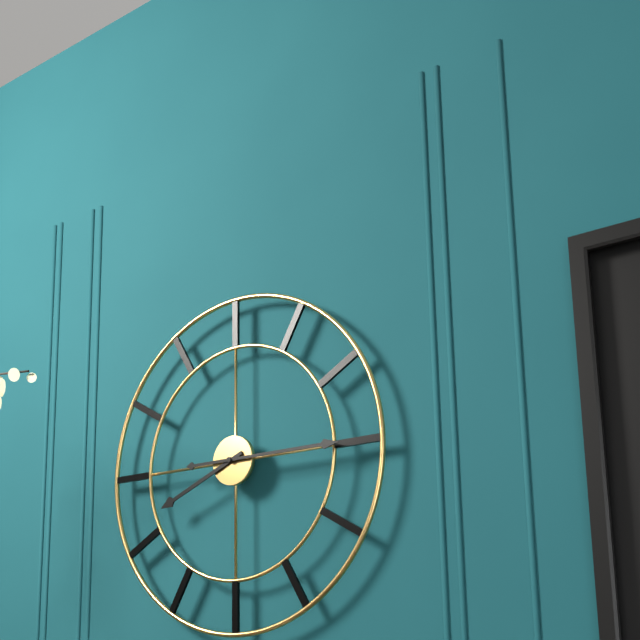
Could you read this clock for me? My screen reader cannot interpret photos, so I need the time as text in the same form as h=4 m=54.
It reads h=8 m=15
